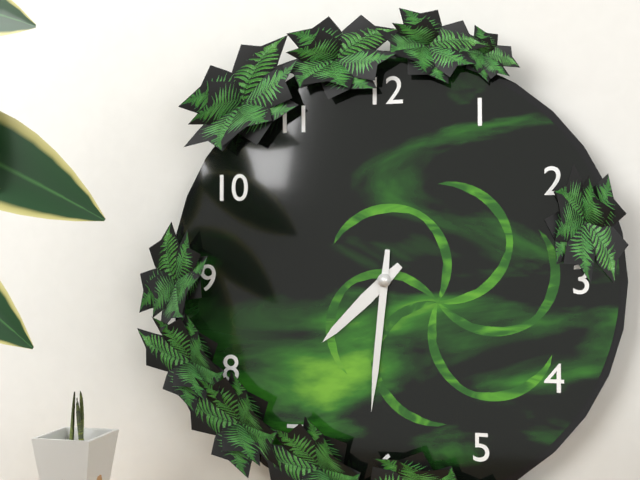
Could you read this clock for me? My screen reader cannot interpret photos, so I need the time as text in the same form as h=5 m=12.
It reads h=7 m=31
